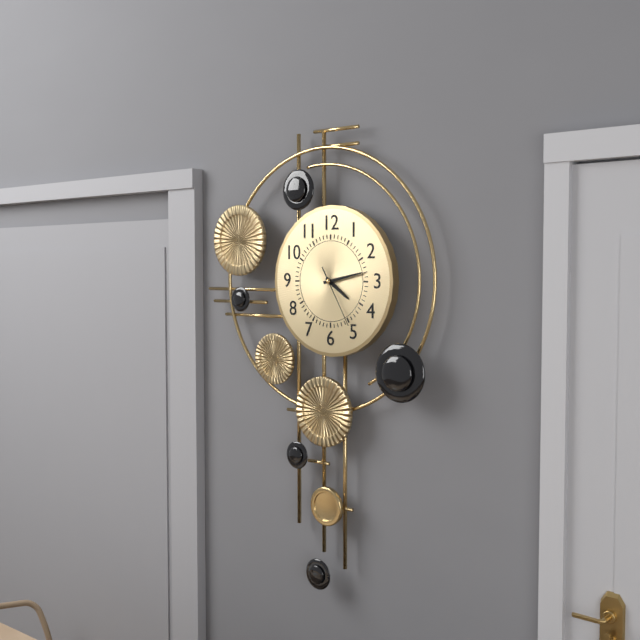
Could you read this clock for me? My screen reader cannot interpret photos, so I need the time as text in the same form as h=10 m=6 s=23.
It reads h=4 m=13 s=25
